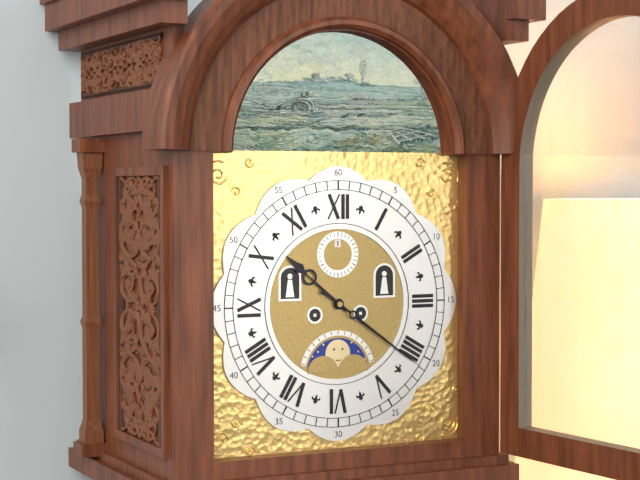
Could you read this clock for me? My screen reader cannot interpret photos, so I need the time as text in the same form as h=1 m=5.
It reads h=10 m=21
